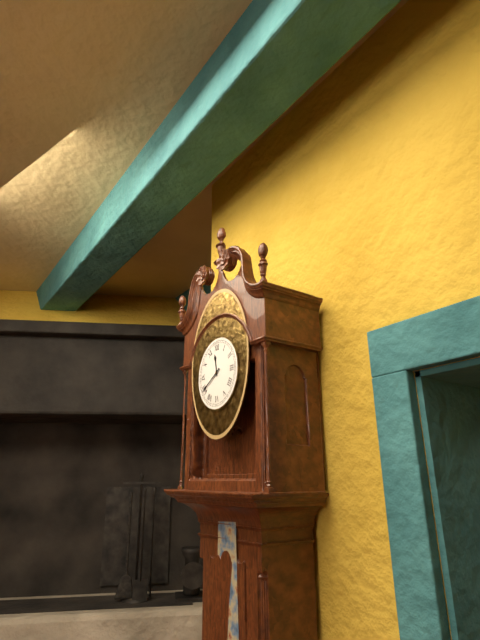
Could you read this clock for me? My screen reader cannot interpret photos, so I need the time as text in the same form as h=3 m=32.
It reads h=11 m=40
